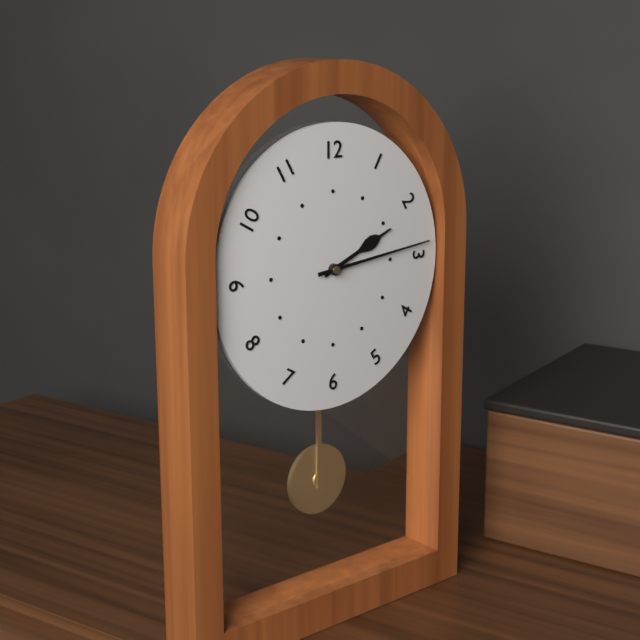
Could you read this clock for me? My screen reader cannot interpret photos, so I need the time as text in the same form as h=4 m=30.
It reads h=2 m=14
